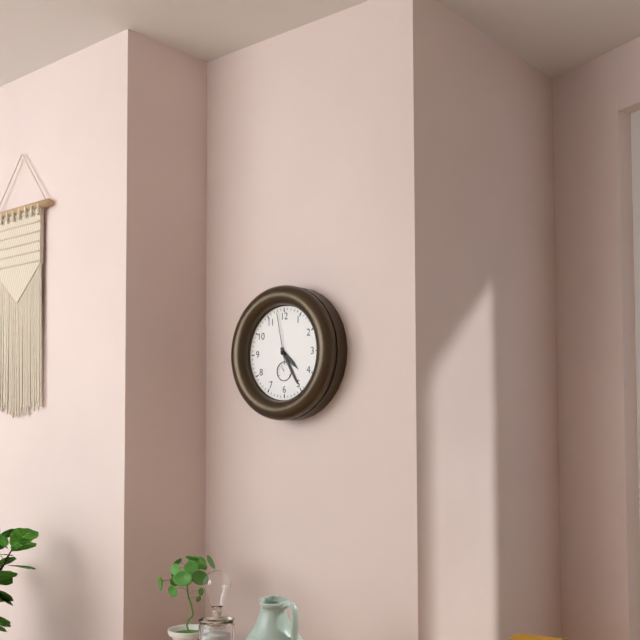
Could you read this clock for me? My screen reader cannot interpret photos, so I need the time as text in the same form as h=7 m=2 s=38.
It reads h=4 m=25 s=58
